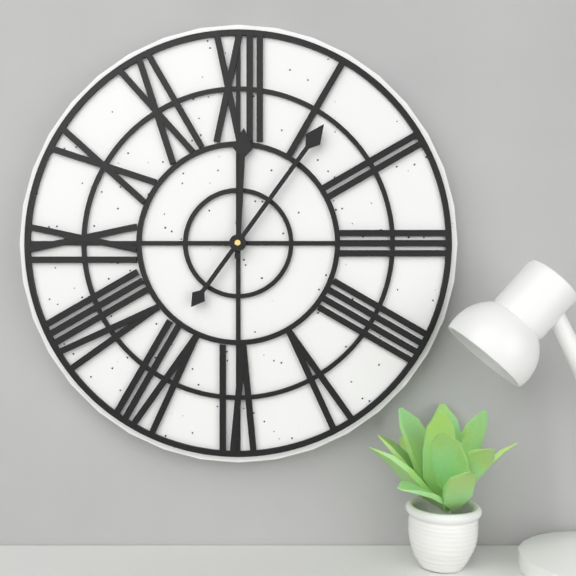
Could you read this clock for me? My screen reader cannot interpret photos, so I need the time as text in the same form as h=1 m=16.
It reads h=12 m=6
